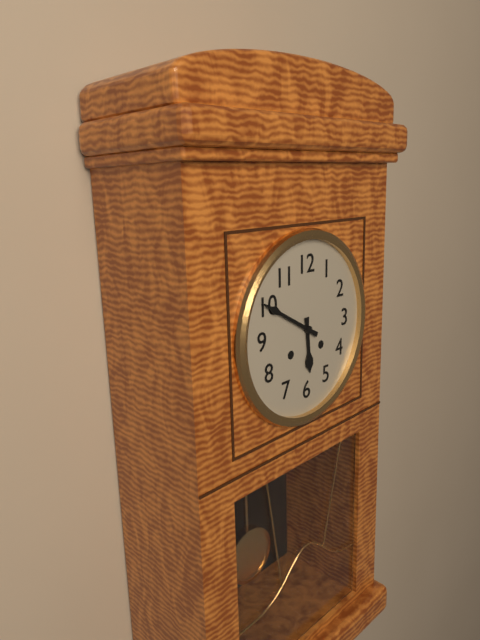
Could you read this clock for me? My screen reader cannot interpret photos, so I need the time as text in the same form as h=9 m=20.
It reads h=5 m=50
